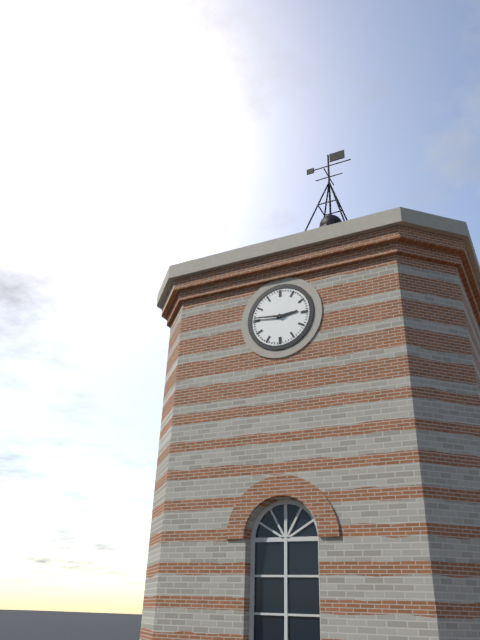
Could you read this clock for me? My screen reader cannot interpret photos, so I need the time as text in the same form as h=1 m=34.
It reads h=2 m=46
